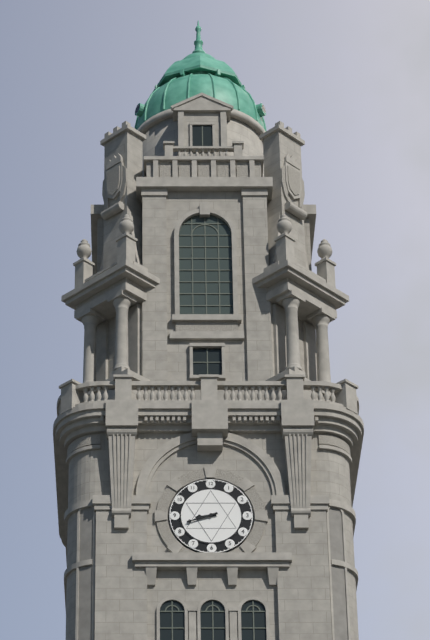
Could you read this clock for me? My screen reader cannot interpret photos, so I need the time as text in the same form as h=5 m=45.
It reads h=8 m=42
